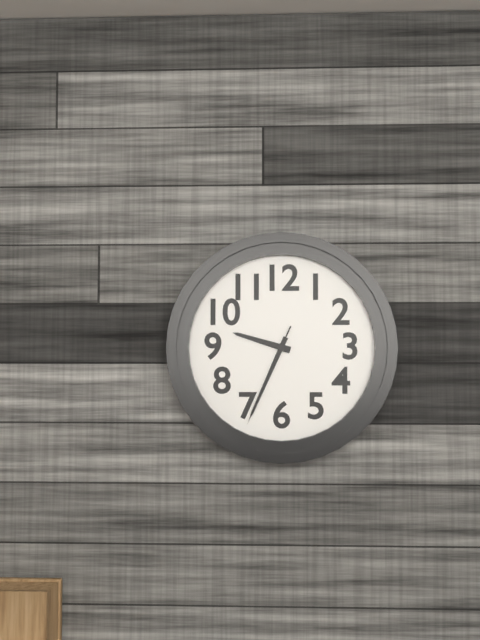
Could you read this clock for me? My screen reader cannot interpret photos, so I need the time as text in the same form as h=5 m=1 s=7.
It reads h=9 m=34 s=34
